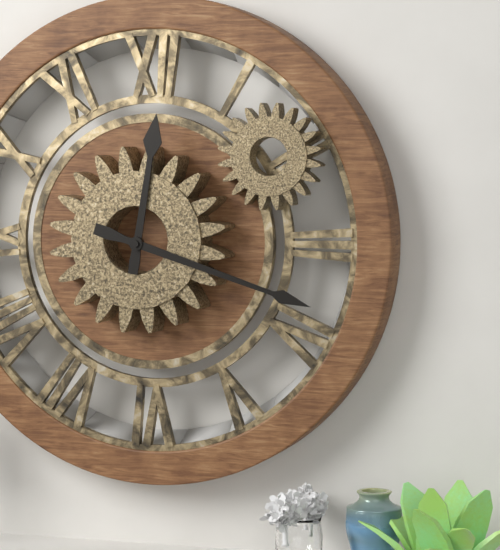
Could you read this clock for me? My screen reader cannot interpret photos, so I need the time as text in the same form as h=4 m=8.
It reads h=12 m=18
